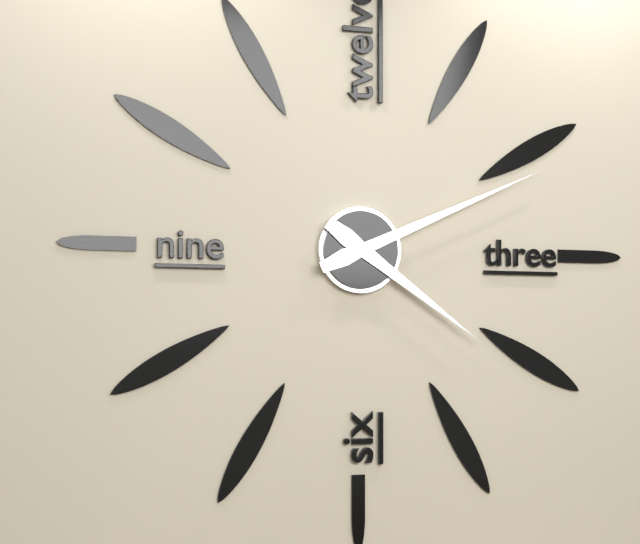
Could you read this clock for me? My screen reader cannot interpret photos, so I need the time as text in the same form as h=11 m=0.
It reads h=4 m=11
